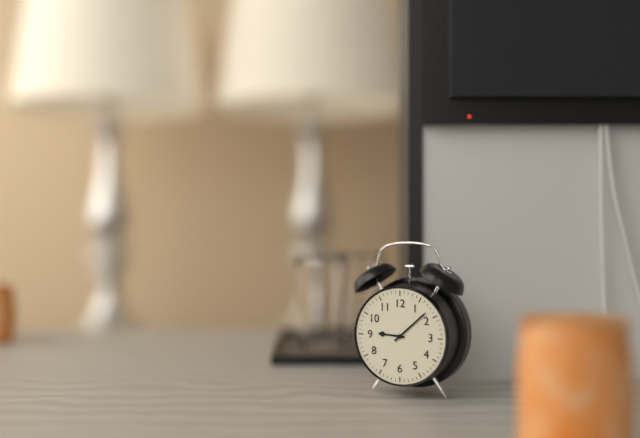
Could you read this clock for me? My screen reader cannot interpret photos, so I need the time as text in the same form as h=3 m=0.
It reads h=9 m=8
